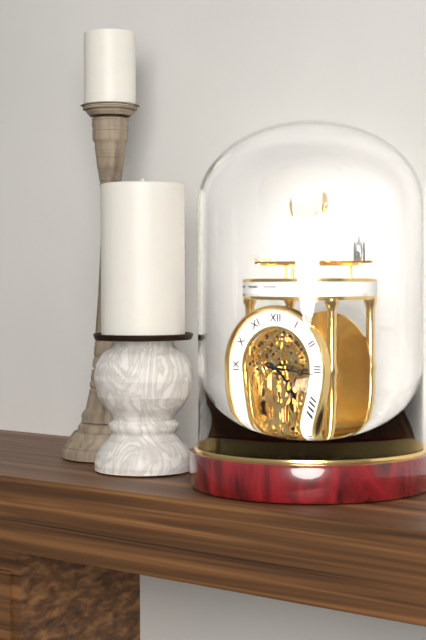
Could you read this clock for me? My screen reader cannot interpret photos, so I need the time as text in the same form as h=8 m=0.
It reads h=4 m=16
